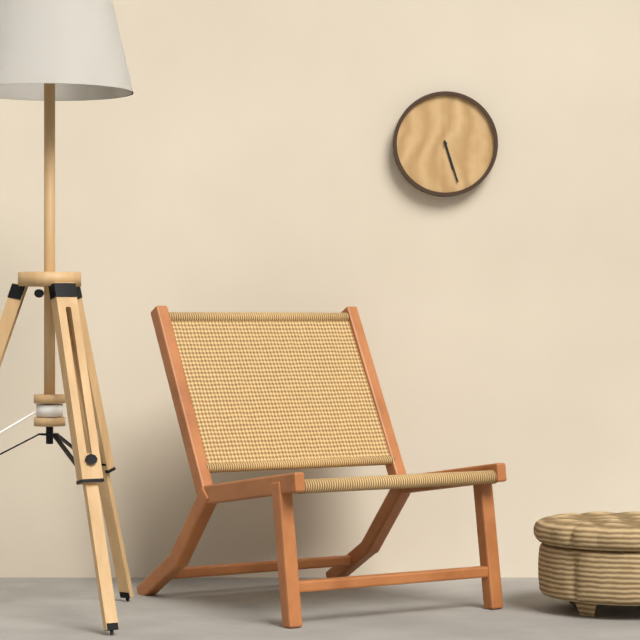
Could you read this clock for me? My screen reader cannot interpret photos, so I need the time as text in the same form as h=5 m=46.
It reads h=5 m=27
